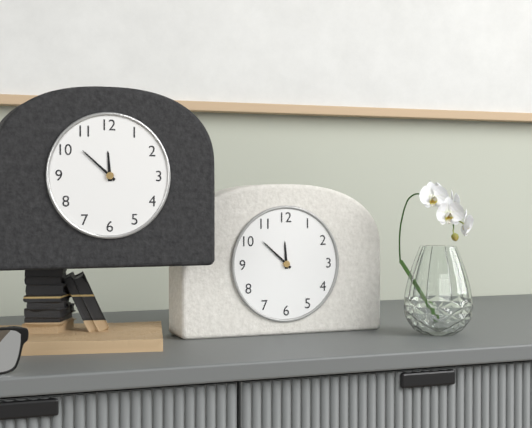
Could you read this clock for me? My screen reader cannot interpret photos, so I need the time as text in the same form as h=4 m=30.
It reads h=11 m=52
